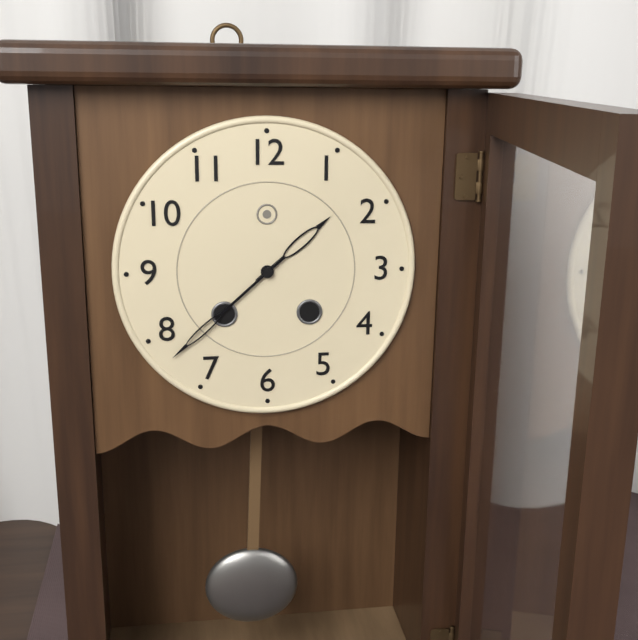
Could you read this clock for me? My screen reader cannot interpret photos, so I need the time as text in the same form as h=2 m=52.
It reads h=1 m=38
